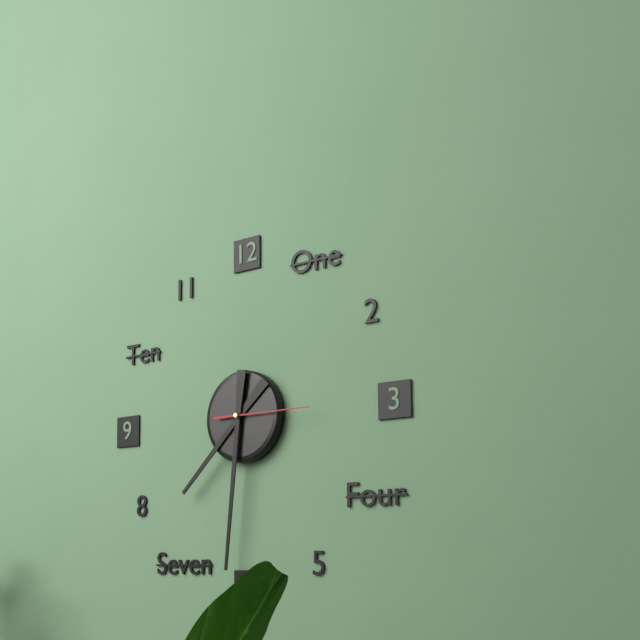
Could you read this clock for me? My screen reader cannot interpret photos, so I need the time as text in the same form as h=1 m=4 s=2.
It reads h=7 m=31 s=15
